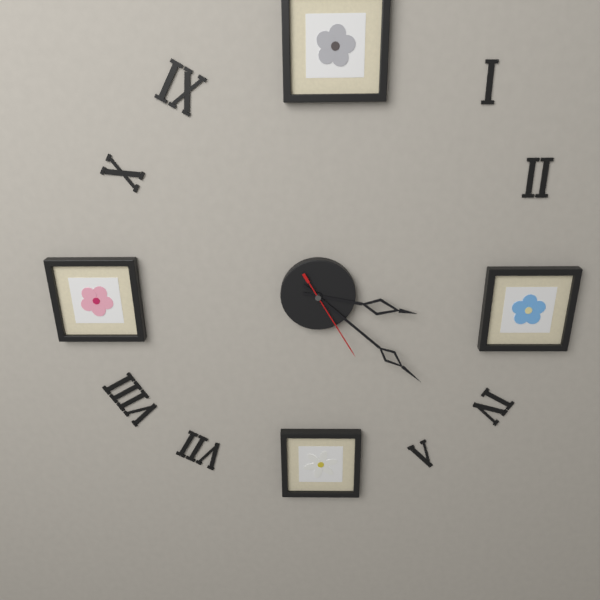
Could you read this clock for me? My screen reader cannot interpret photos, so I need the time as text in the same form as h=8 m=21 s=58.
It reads h=3 m=22 s=25
